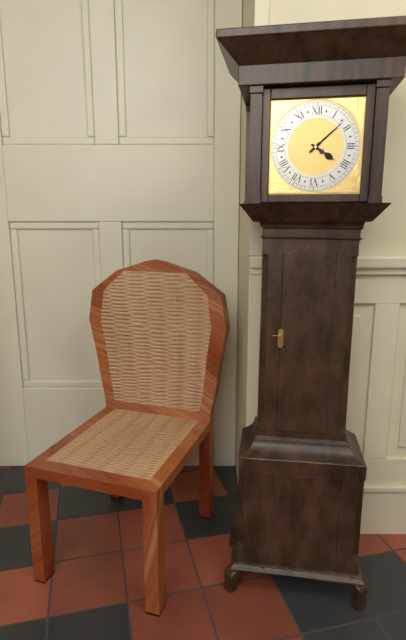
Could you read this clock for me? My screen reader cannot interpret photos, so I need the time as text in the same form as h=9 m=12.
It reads h=4 m=8
